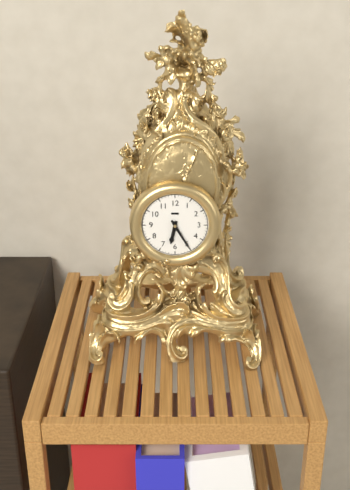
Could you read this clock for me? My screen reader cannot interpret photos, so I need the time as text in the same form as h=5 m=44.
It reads h=6 m=25
